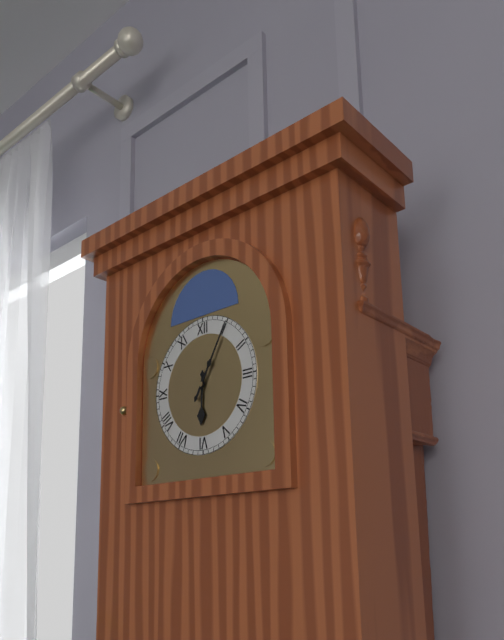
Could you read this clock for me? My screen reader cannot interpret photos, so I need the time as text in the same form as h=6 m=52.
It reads h=6 m=5
